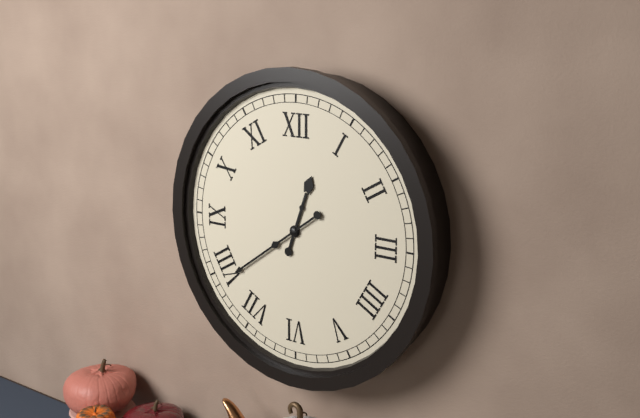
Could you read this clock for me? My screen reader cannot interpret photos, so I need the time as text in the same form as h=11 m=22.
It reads h=12 m=39
